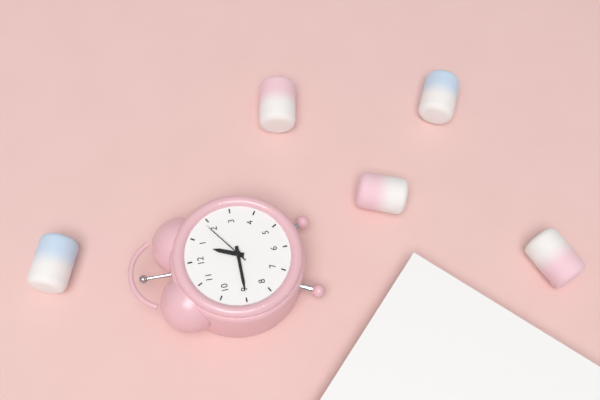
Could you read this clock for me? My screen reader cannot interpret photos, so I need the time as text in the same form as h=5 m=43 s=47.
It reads h=12 m=45 s=9
